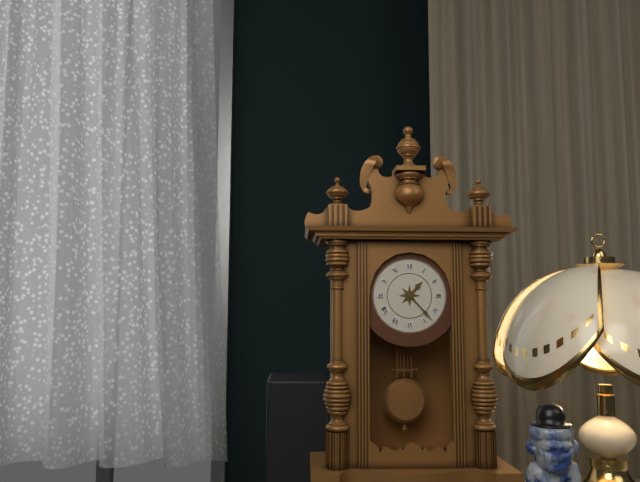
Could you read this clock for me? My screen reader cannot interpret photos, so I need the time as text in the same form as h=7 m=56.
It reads h=1 m=23
